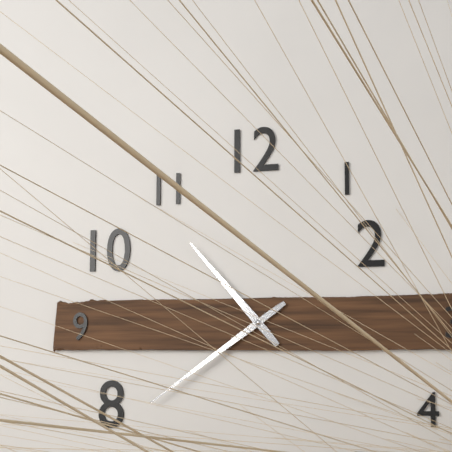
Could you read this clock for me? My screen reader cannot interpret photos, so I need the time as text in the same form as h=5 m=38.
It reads h=10 m=39
